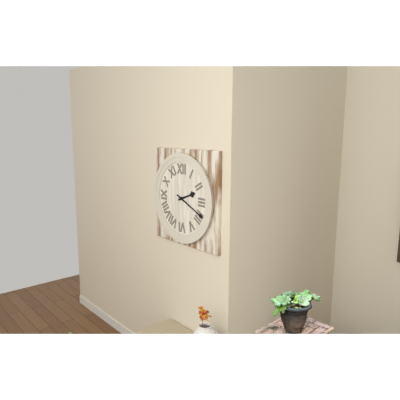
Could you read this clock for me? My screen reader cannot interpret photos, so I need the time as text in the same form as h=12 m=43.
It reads h=2 m=19
